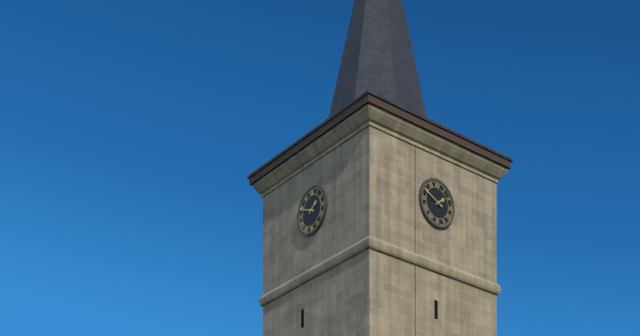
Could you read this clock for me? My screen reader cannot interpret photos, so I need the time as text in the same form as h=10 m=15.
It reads h=1 m=49
